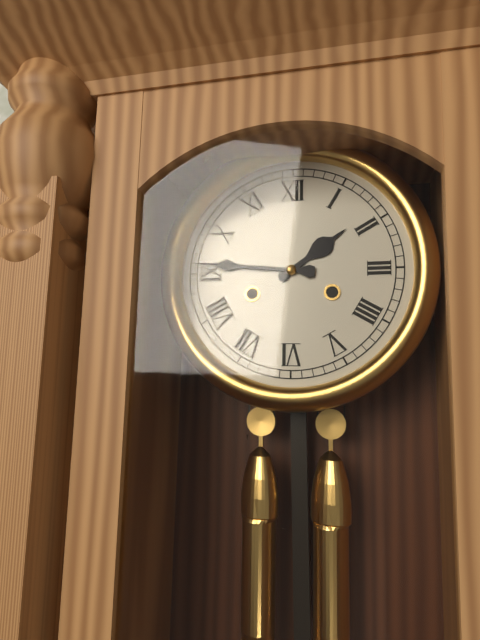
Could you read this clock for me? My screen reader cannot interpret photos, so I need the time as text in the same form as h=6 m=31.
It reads h=1 m=46
